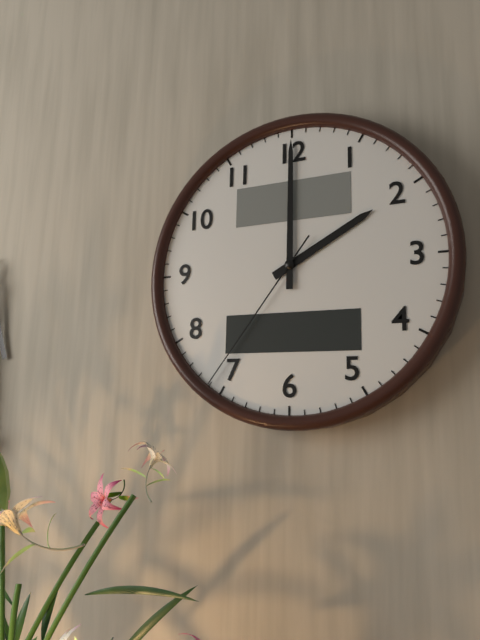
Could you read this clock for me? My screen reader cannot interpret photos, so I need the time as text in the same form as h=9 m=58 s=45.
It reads h=2 m=0 s=36
